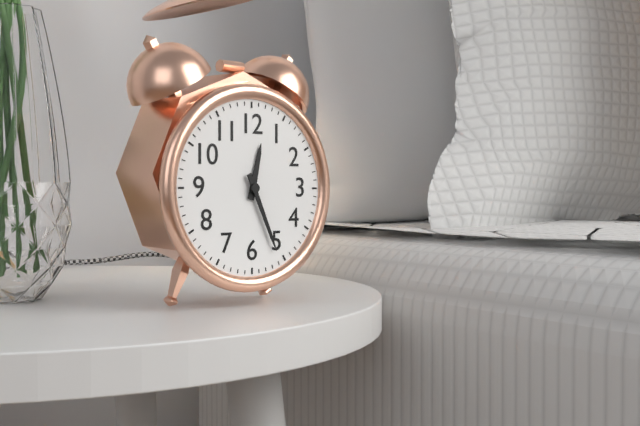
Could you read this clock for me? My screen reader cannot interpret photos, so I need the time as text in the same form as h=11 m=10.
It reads h=12 m=26
